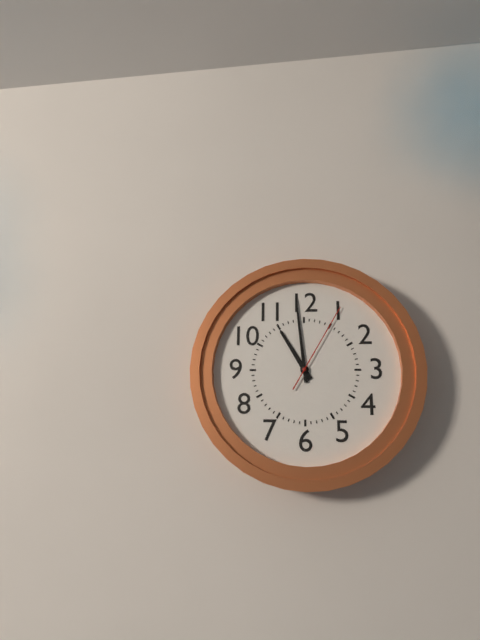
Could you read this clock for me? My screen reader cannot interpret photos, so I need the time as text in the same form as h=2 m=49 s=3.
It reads h=10 m=59 s=5
